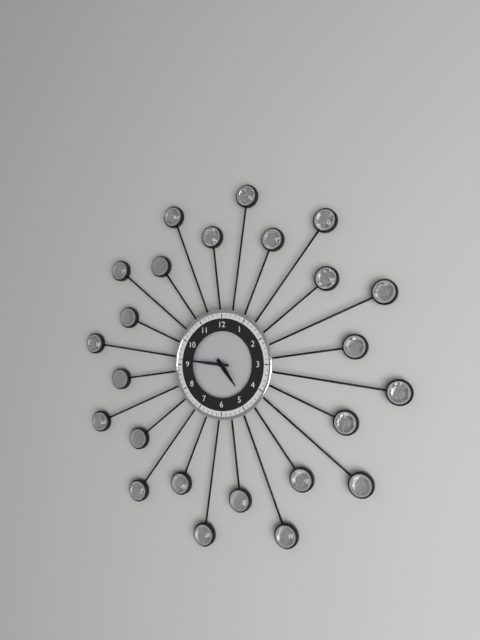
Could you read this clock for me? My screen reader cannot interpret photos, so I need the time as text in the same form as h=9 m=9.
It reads h=4 m=46
